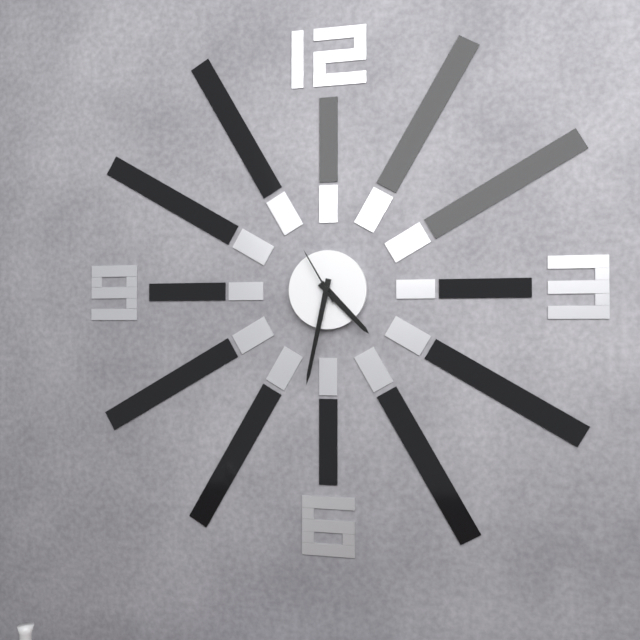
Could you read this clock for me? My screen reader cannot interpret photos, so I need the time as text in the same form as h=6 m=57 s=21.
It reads h=4 m=32 s=55
